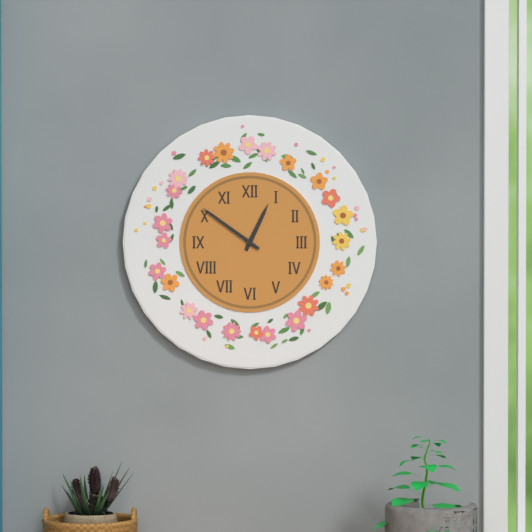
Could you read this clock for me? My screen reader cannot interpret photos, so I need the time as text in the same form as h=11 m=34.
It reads h=12 m=51
